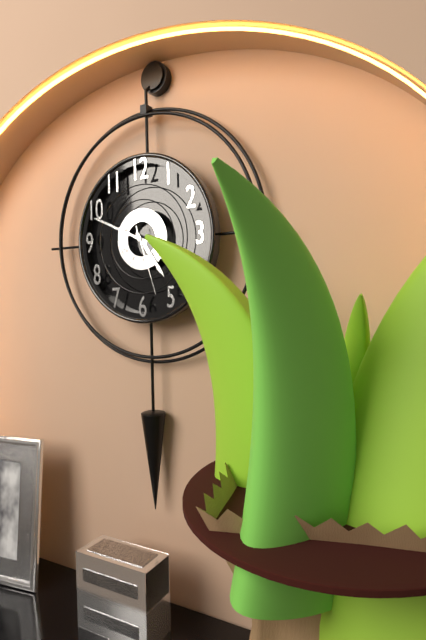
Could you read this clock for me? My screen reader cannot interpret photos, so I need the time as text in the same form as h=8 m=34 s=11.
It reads h=4 m=49 s=27
